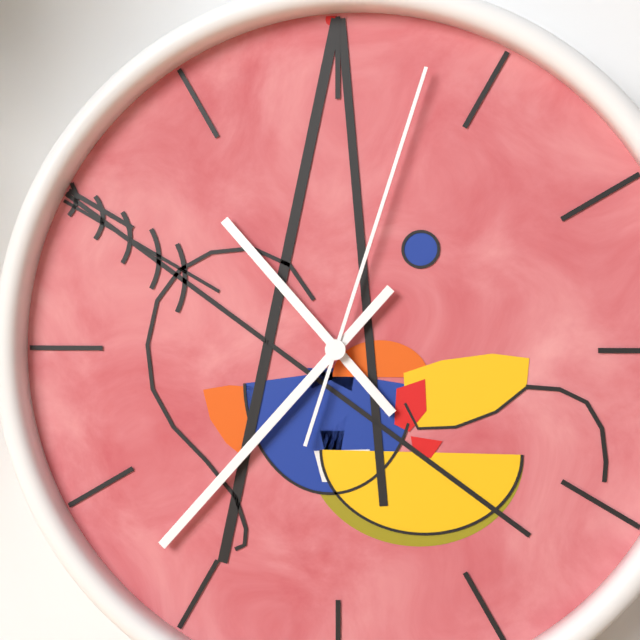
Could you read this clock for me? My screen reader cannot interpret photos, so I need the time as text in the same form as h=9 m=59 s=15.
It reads h=10 m=37 s=3
